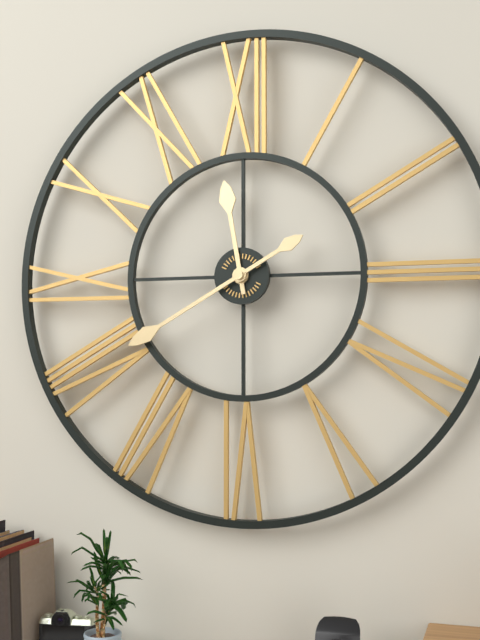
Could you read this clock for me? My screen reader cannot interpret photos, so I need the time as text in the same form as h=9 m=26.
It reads h=11 m=40
